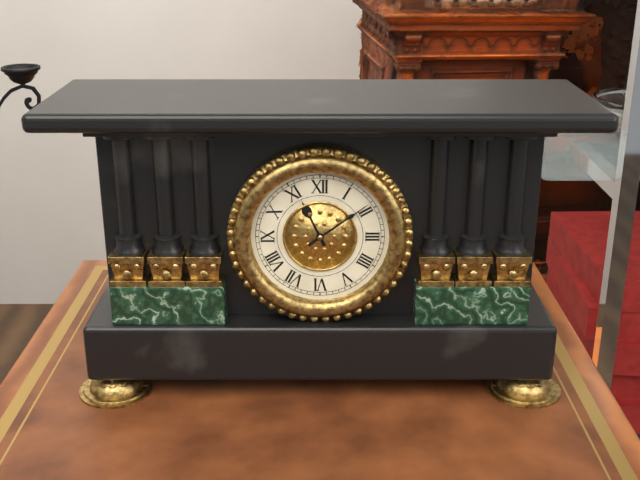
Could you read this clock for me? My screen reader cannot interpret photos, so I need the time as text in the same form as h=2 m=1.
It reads h=11 m=9
